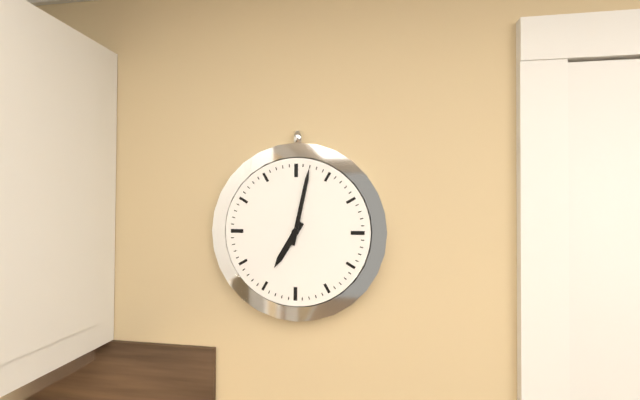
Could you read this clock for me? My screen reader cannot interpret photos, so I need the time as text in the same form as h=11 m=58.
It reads h=7 m=2
